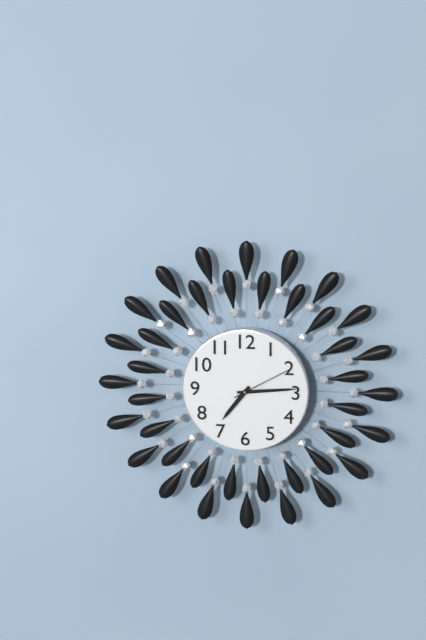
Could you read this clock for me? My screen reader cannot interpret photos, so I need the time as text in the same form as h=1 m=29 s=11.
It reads h=7 m=14 s=10
